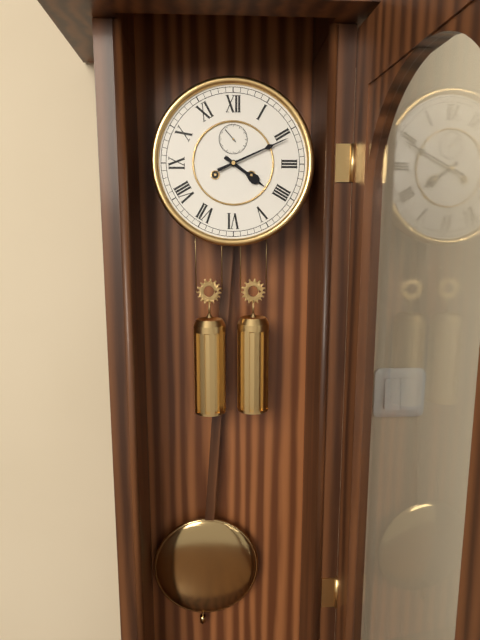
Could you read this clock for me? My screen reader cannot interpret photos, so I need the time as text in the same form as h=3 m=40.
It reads h=4 m=11
